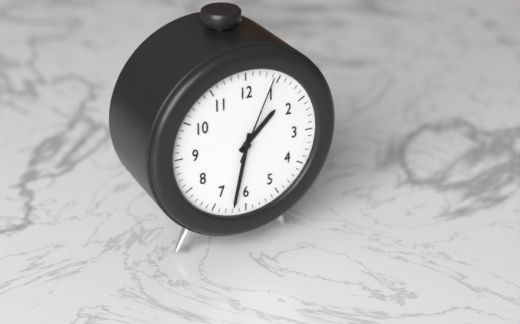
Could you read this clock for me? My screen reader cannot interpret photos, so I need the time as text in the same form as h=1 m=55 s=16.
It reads h=1 m=32 s=4
